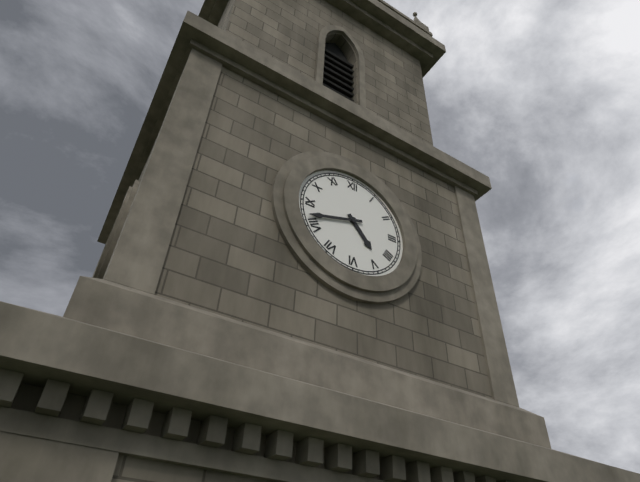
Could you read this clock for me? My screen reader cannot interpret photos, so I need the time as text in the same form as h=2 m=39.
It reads h=4 m=42
